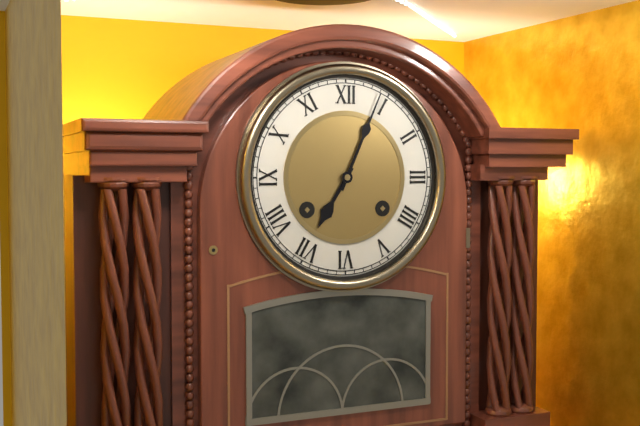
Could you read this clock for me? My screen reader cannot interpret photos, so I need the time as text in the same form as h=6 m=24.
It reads h=7 m=4
